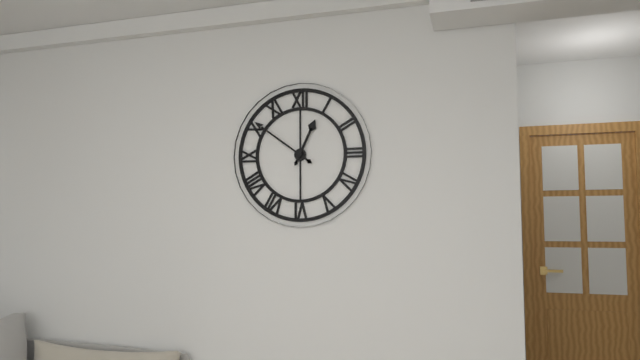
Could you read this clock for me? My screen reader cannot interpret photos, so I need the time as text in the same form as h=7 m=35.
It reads h=12 m=51
